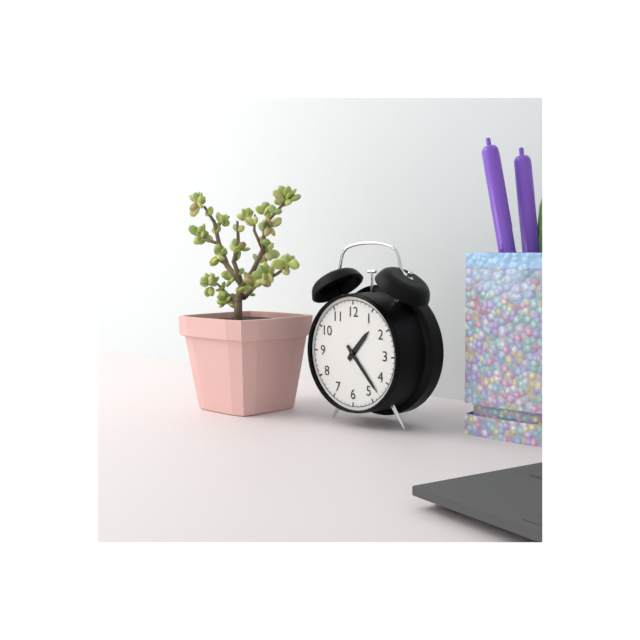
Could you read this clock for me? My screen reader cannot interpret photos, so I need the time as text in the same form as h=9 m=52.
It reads h=1 m=23
